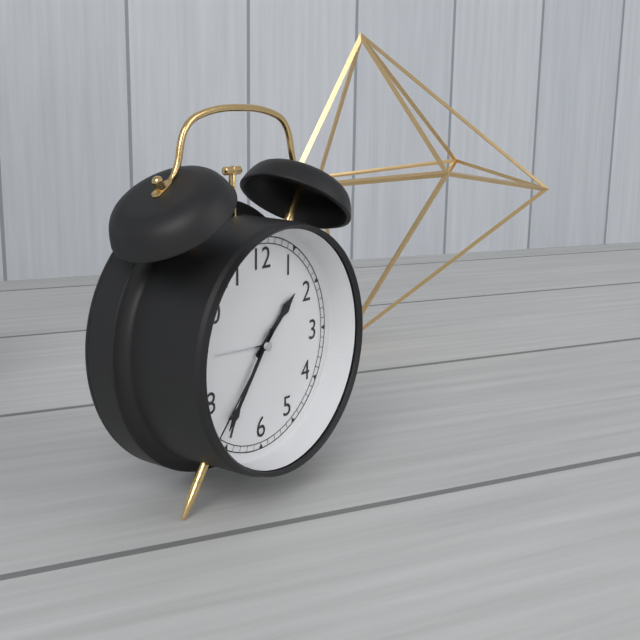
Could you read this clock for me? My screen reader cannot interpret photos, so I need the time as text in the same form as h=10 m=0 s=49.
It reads h=1 m=36 s=37
